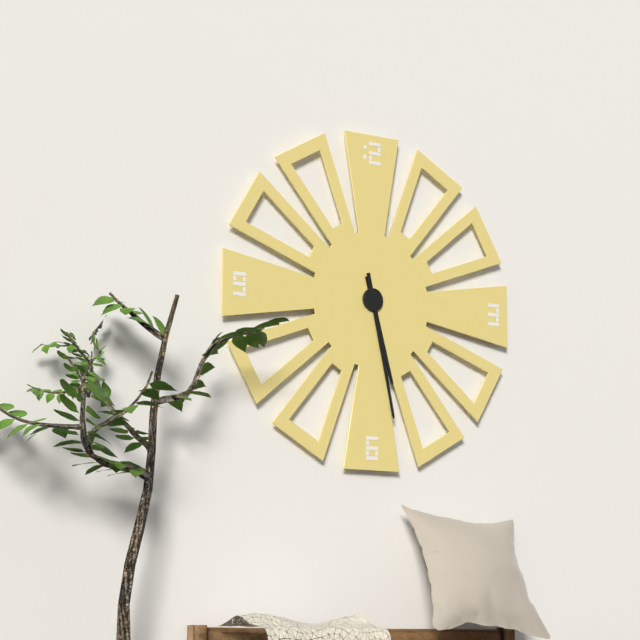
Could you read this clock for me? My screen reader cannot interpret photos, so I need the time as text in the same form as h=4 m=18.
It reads h=5 m=28
